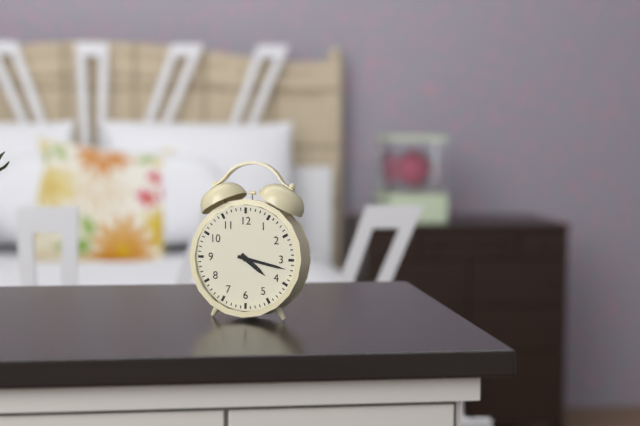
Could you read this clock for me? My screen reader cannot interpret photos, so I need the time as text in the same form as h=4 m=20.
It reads h=4 m=17
